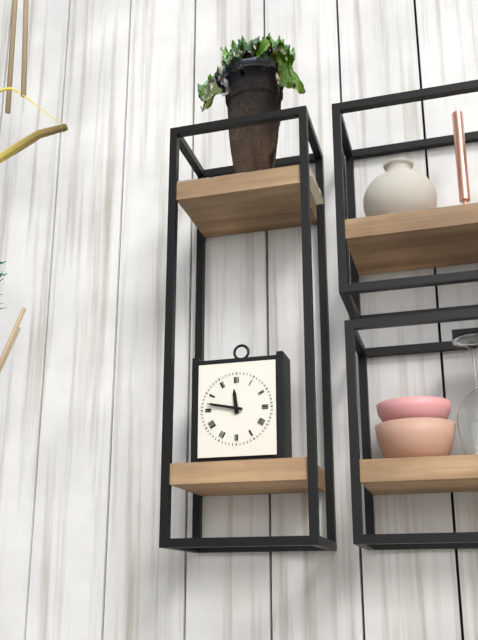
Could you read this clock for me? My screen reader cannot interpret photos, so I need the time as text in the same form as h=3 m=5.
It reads h=11 m=47
